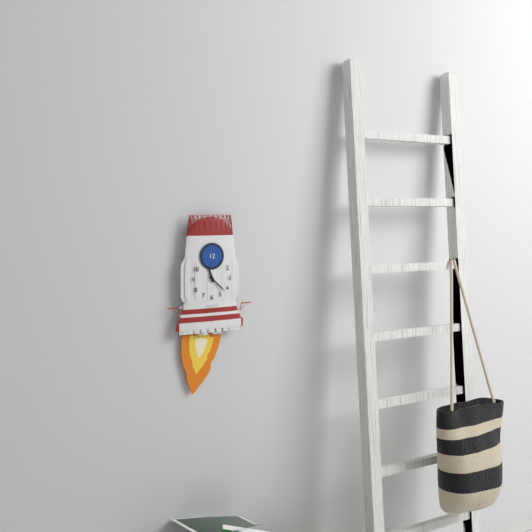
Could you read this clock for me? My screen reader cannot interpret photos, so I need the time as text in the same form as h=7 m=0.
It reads h=11 m=22
